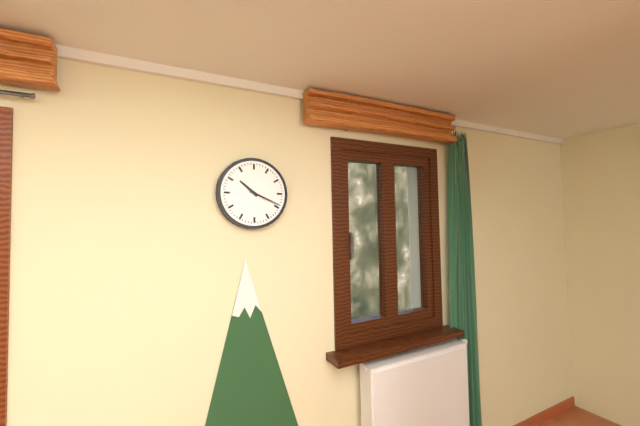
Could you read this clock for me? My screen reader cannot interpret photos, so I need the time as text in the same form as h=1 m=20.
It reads h=10 m=19
